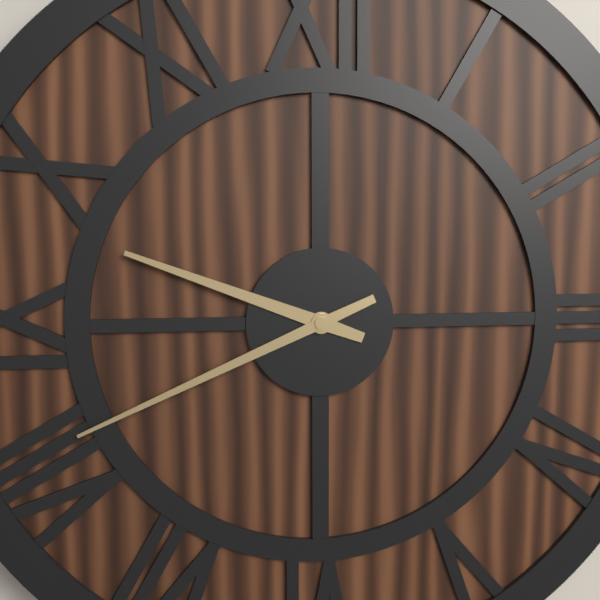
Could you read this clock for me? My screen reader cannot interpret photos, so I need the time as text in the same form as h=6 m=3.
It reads h=9 m=41
